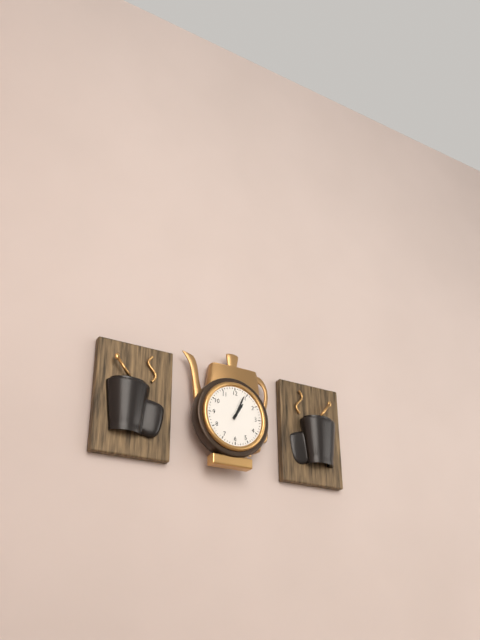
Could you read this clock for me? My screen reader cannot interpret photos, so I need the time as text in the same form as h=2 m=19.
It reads h=1 m=4
